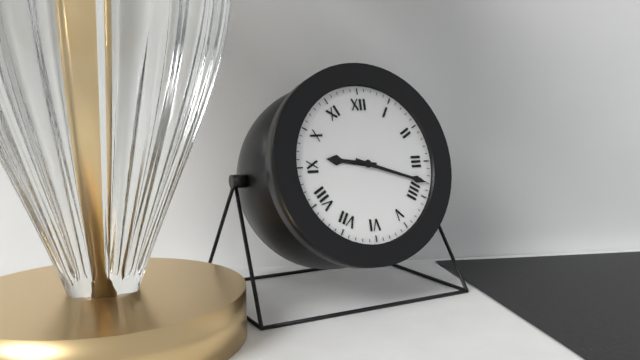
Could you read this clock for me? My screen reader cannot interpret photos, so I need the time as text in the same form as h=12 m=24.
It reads h=9 m=18
